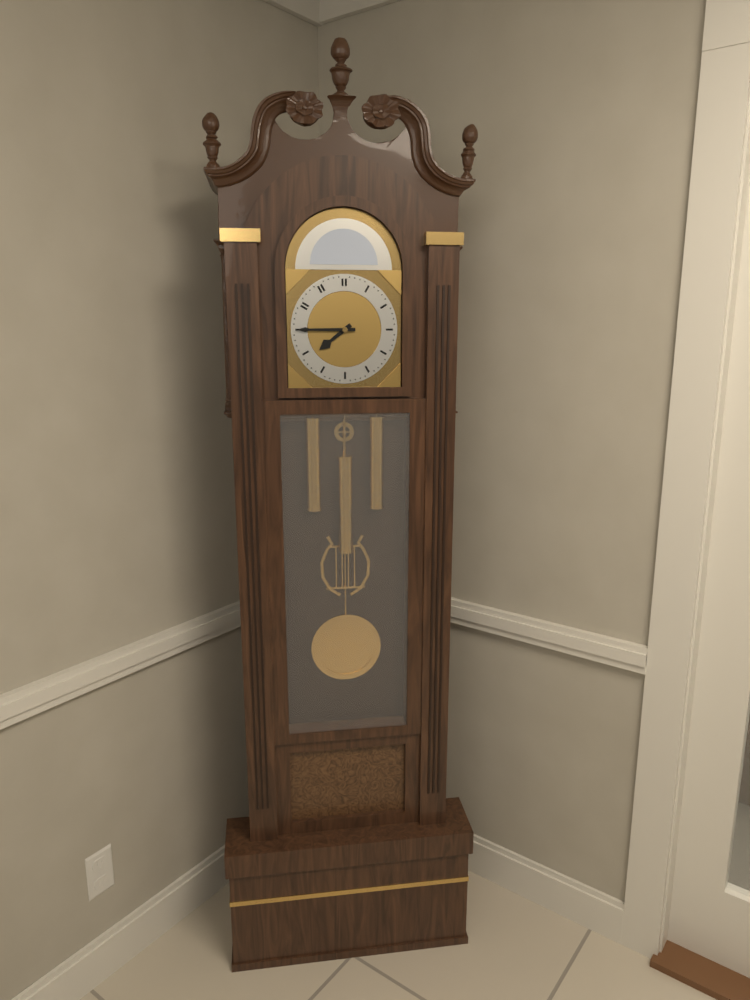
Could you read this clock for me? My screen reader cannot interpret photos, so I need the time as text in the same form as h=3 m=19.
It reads h=7 m=45
